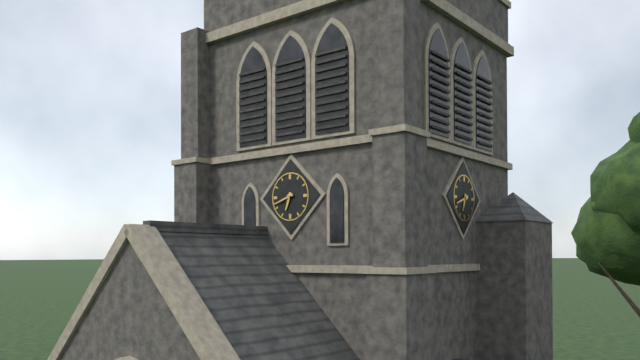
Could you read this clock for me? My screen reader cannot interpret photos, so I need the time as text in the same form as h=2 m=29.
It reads h=6 m=42
